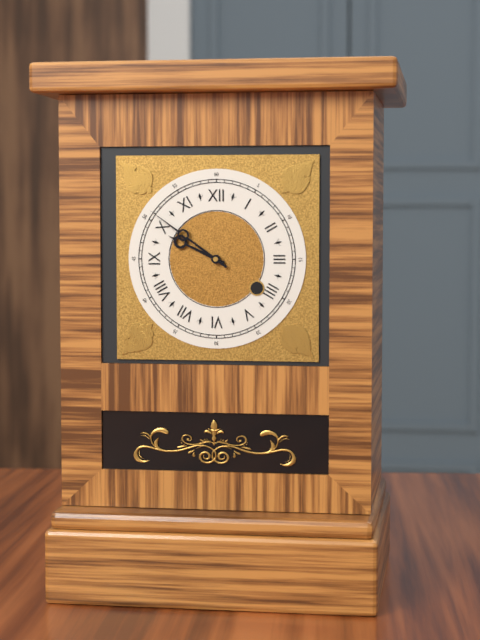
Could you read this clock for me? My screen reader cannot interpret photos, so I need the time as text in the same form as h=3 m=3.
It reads h=9 m=51
